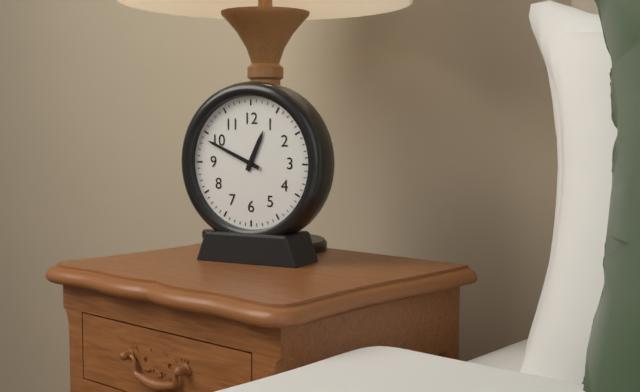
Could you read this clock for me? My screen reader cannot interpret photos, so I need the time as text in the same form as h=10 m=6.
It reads h=12 m=49
